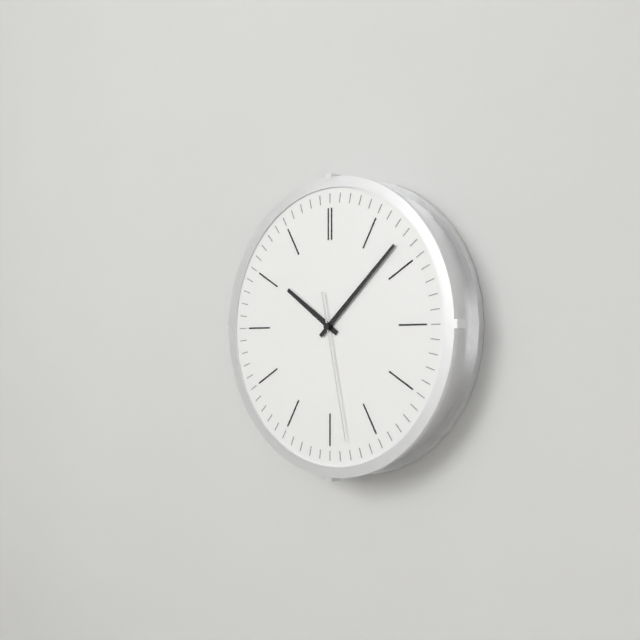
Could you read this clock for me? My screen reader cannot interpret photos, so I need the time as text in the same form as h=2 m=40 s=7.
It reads h=10 m=8 s=28
